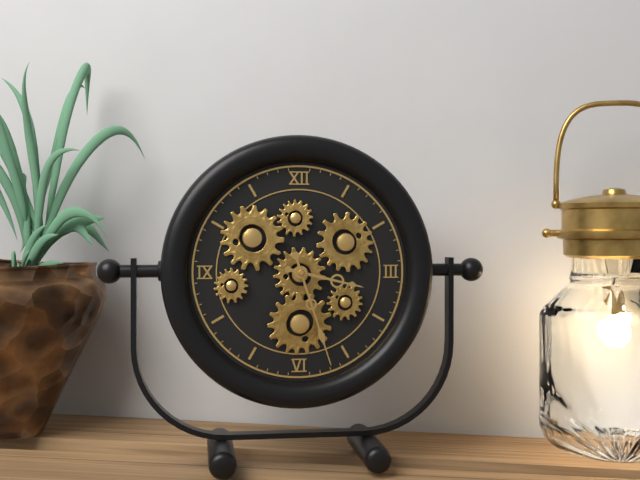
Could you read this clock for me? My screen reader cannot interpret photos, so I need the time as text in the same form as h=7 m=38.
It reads h=3 m=27
